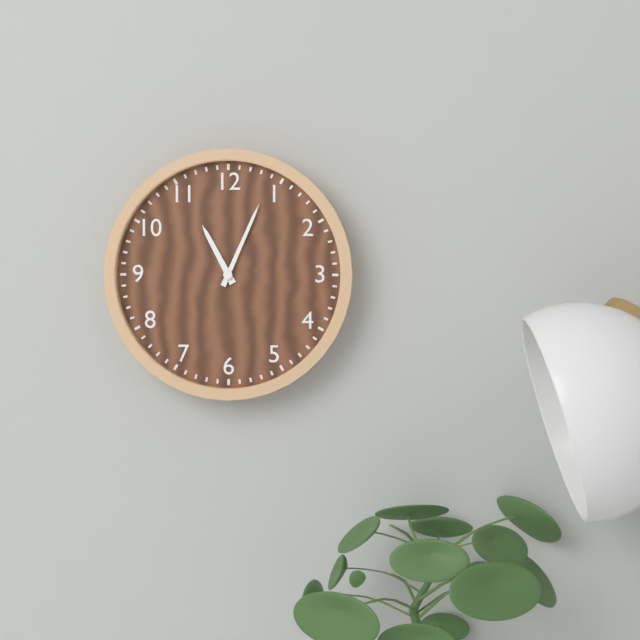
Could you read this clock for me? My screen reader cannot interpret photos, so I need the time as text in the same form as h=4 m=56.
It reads h=11 m=4
